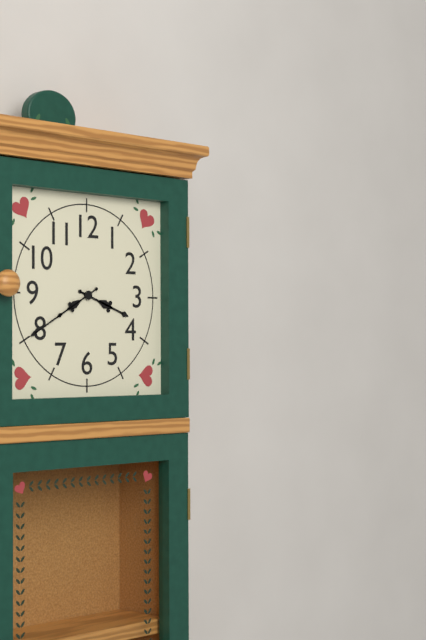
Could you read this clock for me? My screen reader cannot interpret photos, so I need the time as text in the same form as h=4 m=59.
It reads h=3 m=40
